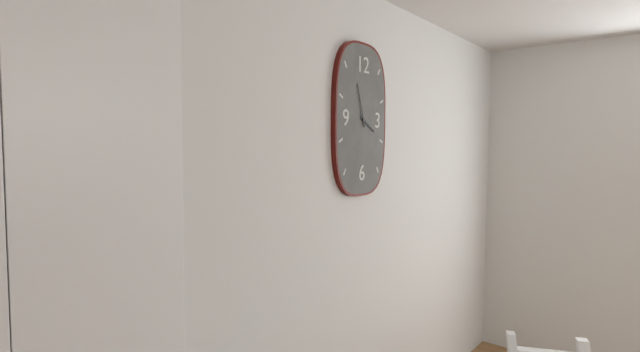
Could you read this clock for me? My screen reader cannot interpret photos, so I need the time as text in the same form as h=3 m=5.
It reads h=3 m=57
